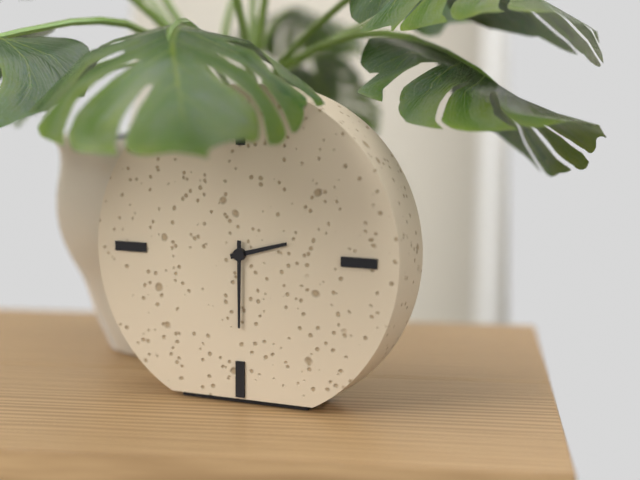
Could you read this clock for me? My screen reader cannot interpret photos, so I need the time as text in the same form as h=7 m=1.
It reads h=2 m=30
